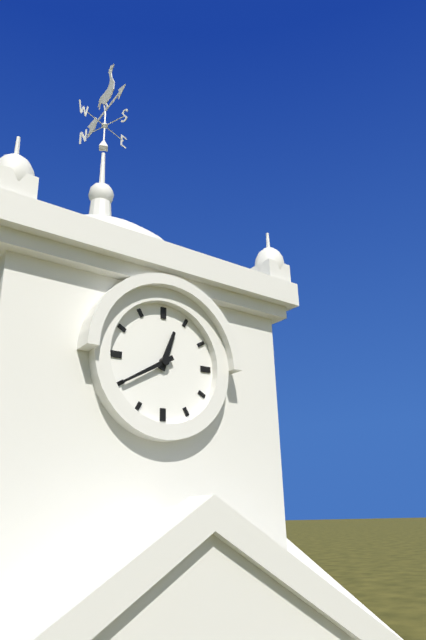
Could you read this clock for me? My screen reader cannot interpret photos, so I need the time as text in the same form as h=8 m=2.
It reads h=12 m=40
